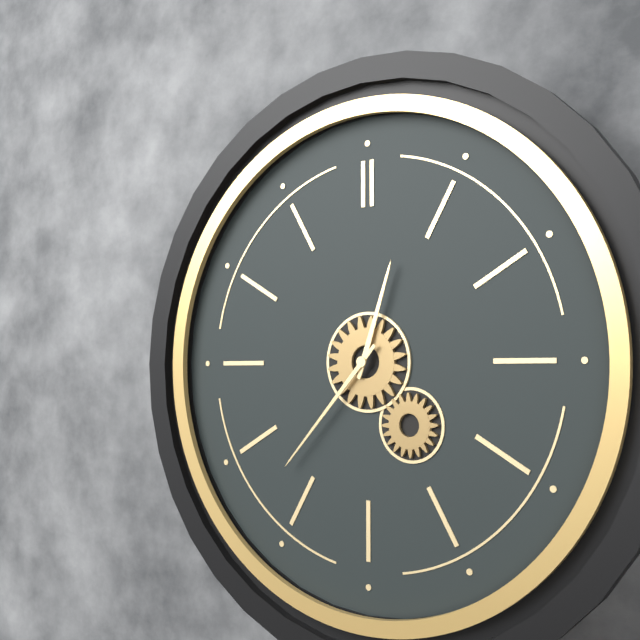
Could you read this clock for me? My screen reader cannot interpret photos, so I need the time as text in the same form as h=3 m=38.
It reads h=12 m=37
